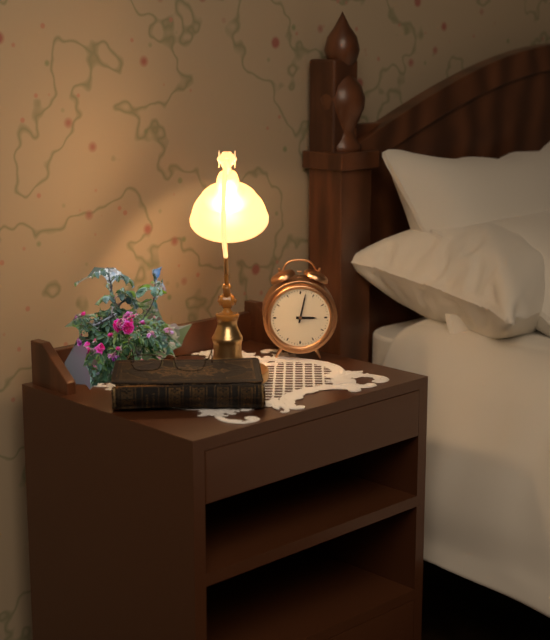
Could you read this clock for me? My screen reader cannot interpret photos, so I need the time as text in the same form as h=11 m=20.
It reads h=3 m=2
